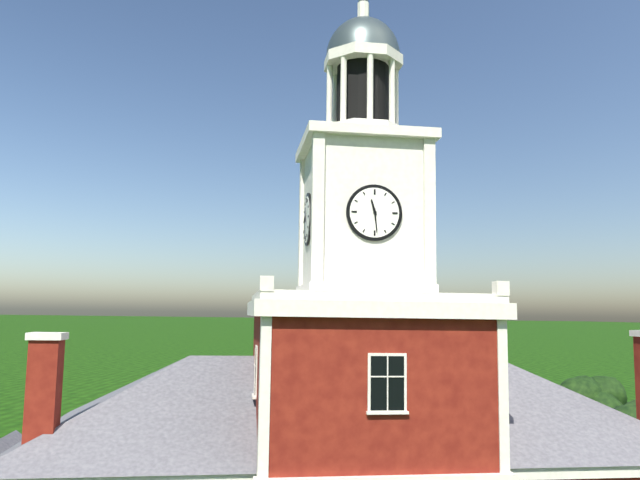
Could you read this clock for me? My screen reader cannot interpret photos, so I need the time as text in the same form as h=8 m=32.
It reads h=11 m=29
